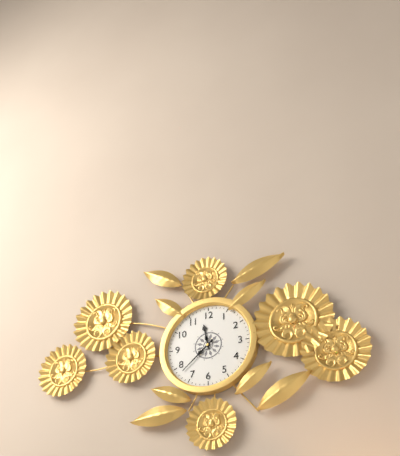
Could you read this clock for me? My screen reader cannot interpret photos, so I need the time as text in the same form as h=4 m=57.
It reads h=11 m=38
